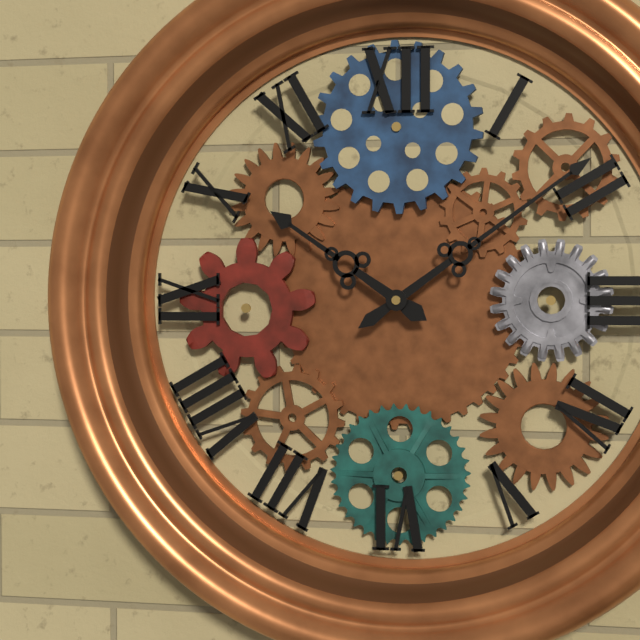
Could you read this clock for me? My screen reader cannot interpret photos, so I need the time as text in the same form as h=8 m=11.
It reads h=10 m=9
